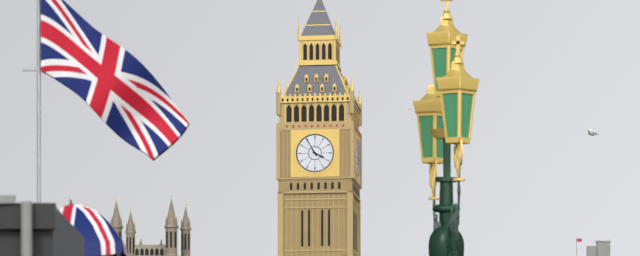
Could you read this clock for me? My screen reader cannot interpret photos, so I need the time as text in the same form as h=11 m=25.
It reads h=3 m=55
